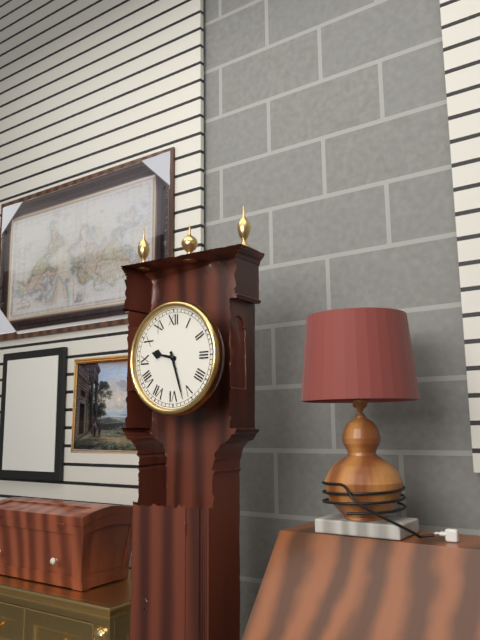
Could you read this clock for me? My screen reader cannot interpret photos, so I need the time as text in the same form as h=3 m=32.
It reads h=9 m=27
